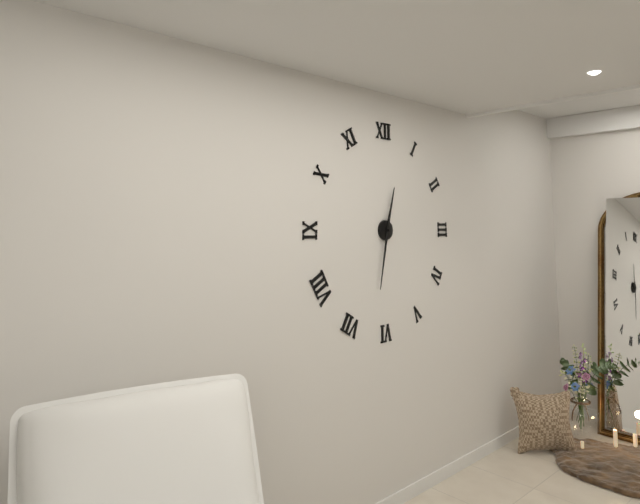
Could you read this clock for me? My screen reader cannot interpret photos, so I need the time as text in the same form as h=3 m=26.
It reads h=12 m=32
